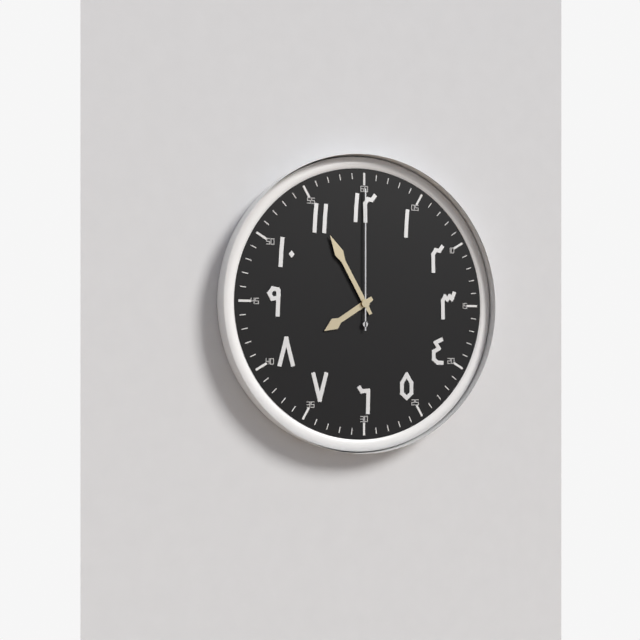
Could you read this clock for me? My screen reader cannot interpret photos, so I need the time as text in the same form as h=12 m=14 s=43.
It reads h=7 m=55 s=0
